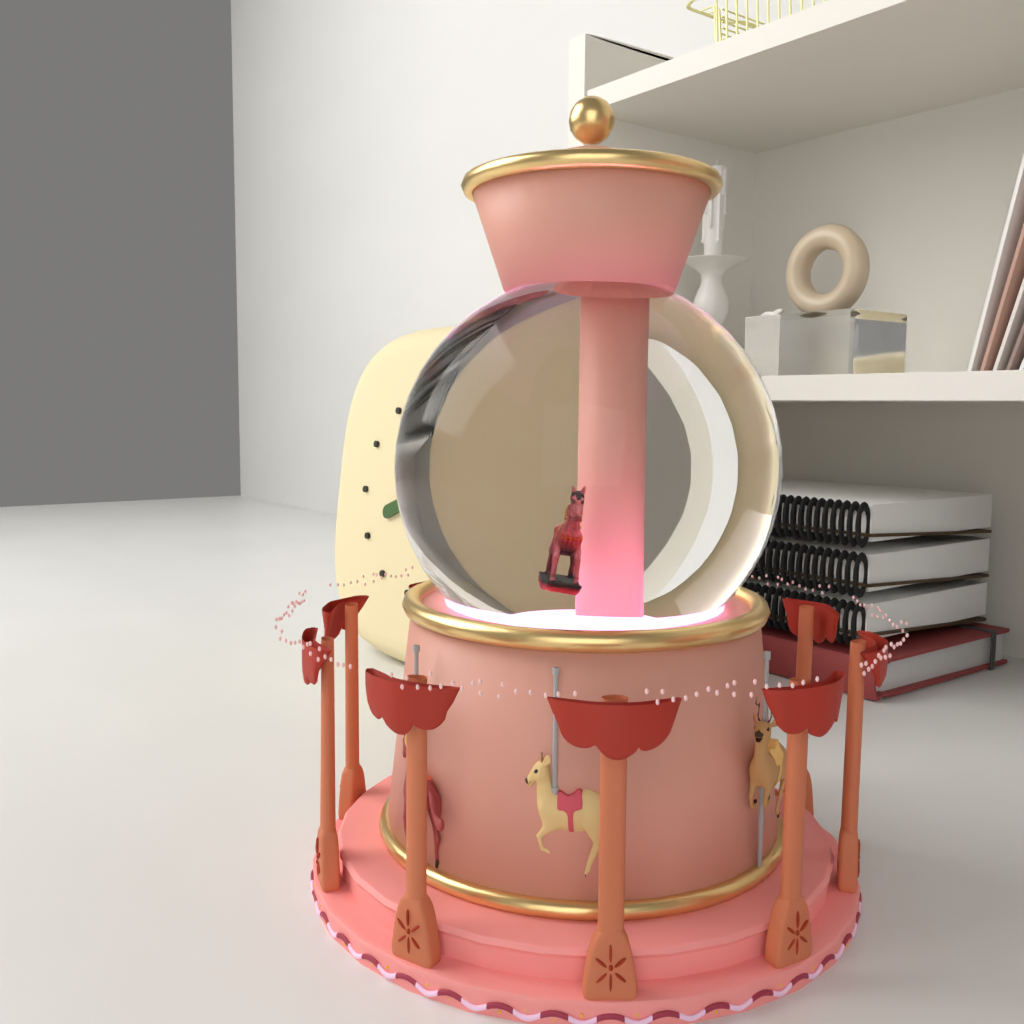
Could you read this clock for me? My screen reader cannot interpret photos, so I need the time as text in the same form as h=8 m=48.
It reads h=8 m=15
